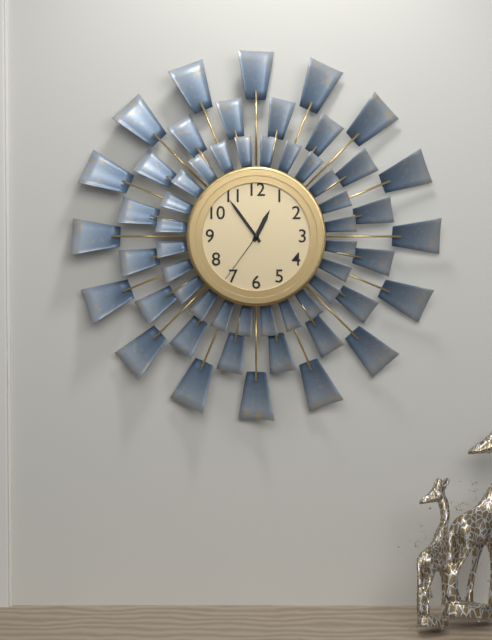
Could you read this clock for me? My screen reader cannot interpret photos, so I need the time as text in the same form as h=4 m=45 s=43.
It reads h=12 m=54 s=36
